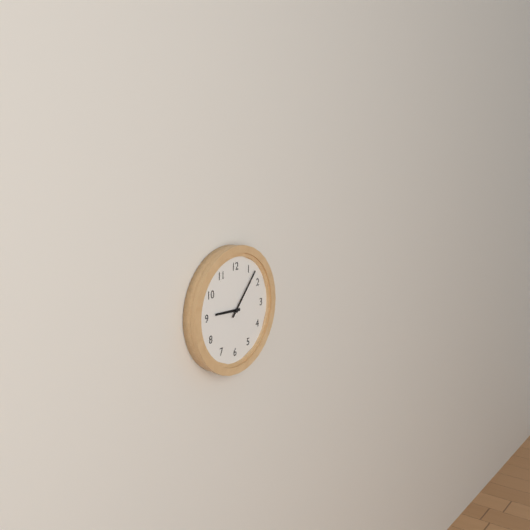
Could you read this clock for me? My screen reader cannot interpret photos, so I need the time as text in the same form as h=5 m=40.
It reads h=9 m=7
